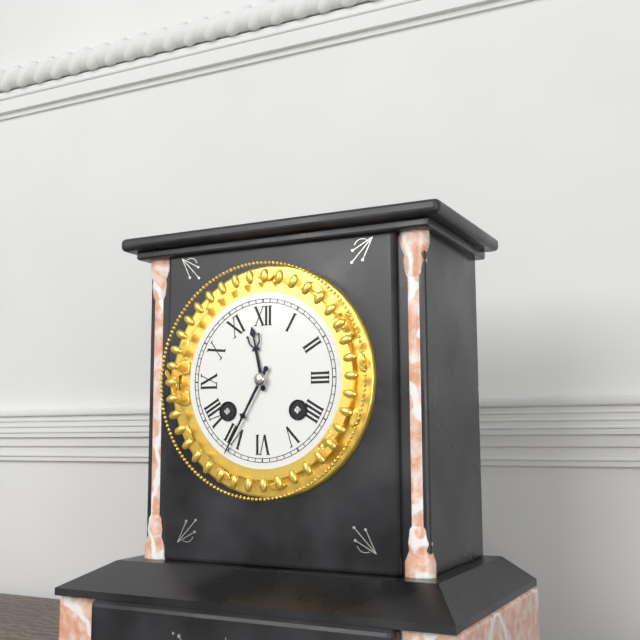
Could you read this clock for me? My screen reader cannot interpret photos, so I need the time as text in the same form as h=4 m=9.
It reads h=11 m=35
